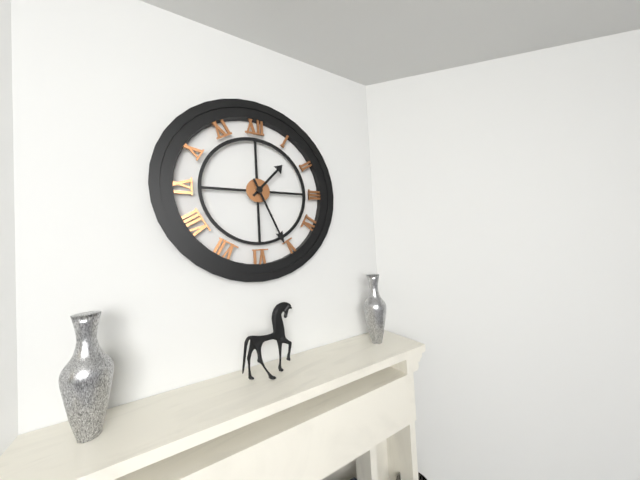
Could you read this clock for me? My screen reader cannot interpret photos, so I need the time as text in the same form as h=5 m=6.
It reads h=1 m=26
